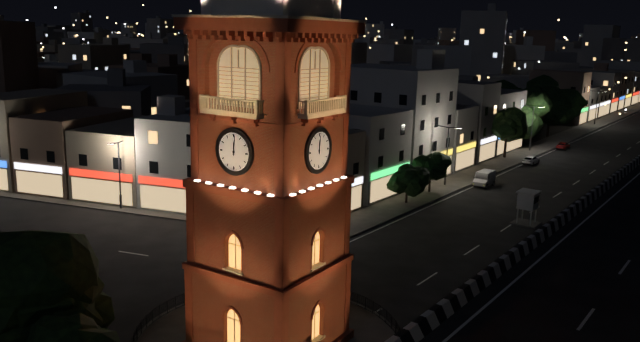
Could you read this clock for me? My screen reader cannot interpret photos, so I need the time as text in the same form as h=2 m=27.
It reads h=12 m=1
